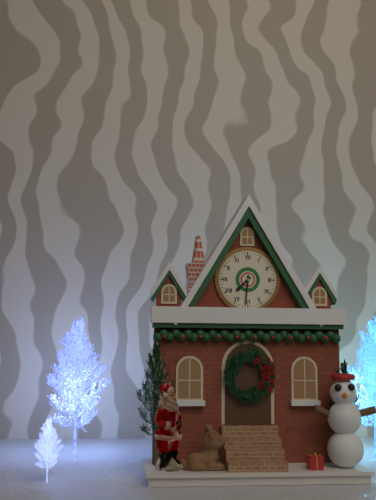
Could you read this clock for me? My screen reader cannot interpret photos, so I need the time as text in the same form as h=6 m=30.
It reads h=7 m=31
